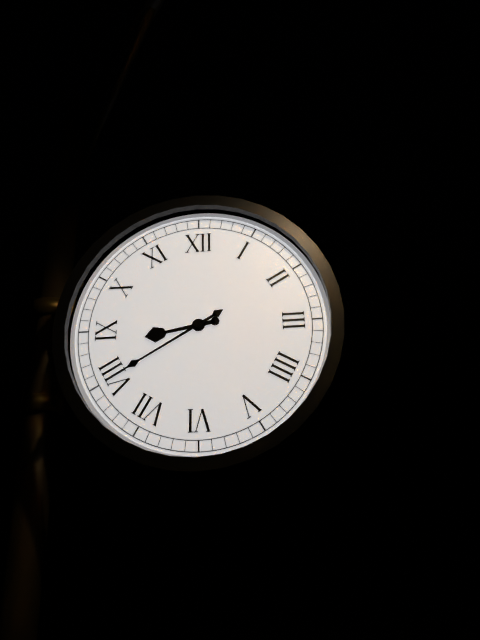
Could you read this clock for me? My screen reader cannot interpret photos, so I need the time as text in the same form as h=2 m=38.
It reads h=8 m=40
